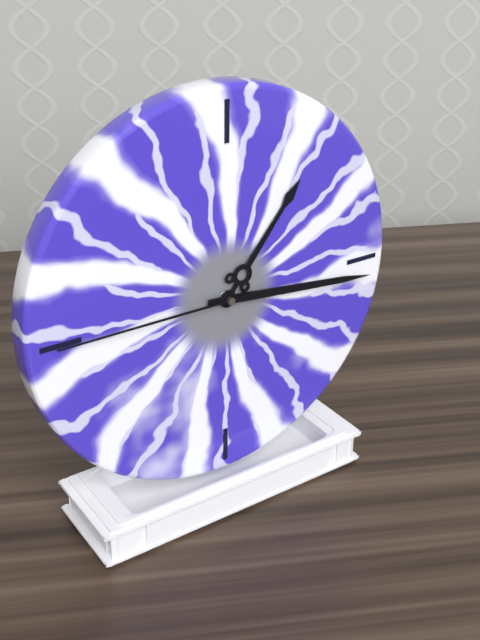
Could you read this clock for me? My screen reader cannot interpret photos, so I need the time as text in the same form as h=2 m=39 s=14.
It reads h=1 m=16 s=45
